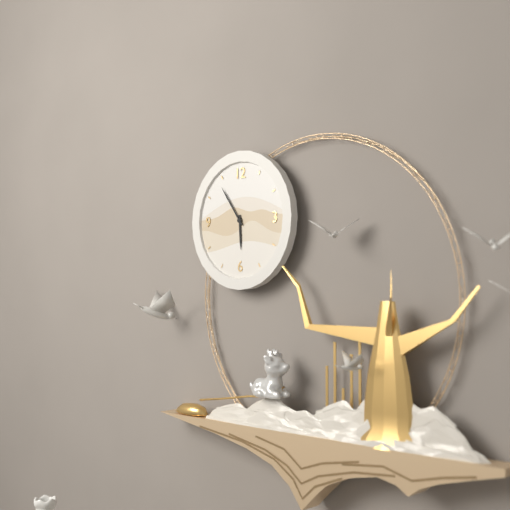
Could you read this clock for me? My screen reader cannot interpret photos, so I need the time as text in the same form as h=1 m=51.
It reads h=5 m=54
